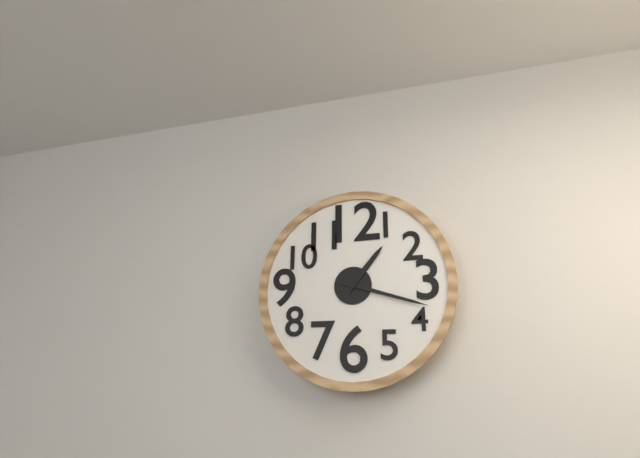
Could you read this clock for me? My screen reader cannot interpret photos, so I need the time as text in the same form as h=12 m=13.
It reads h=1 m=18
